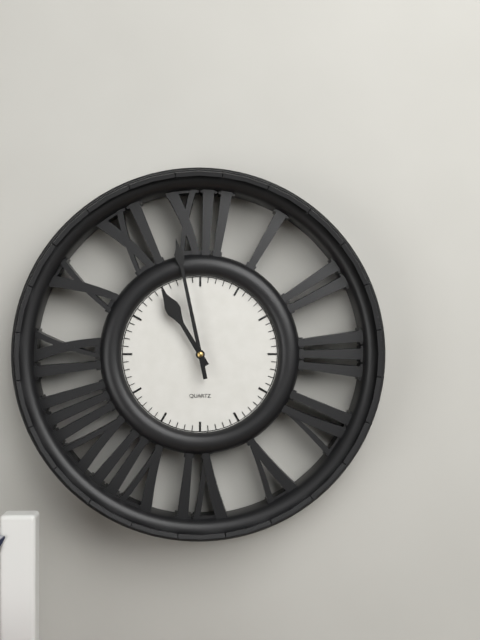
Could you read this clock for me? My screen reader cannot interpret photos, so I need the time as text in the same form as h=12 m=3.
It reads h=10 m=58
